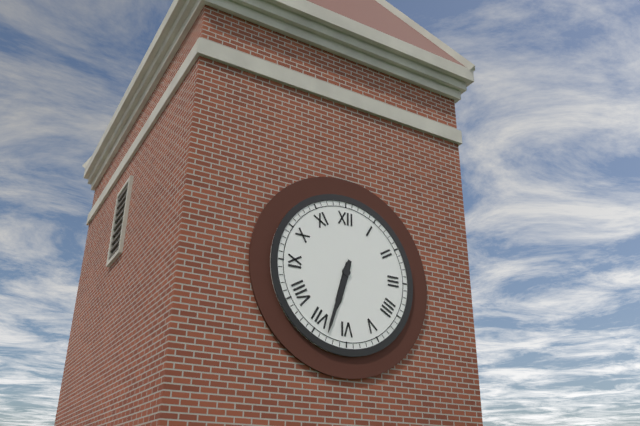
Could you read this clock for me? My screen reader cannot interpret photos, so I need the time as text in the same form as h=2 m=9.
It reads h=6 m=33
